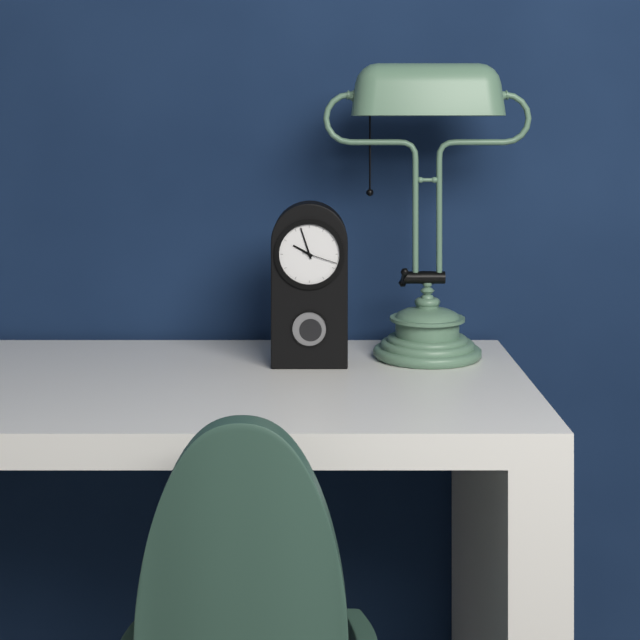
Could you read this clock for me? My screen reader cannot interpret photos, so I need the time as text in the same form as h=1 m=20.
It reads h=9 m=57
